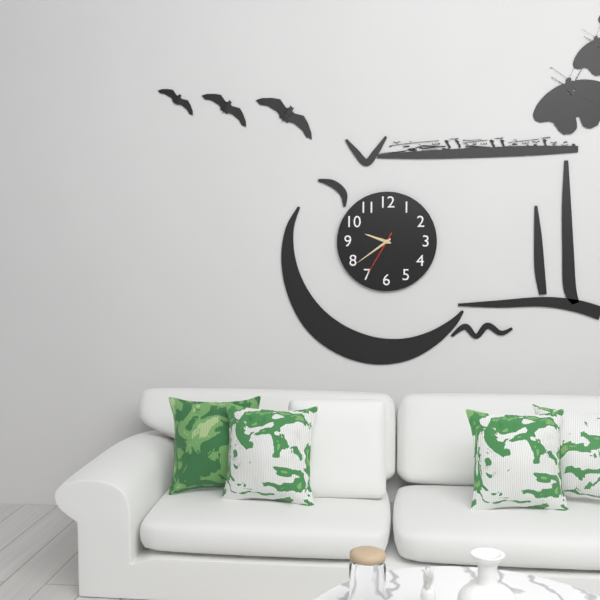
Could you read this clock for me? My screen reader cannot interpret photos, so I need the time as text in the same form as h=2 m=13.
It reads h=9 m=39
